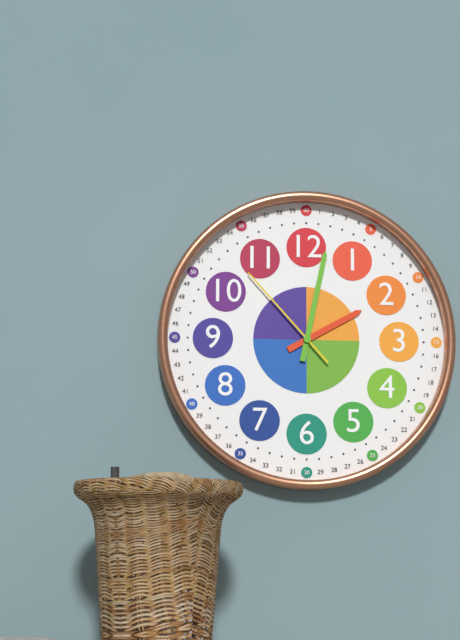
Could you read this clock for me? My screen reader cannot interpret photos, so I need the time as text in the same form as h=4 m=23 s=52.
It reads h=2 m=2 s=53
